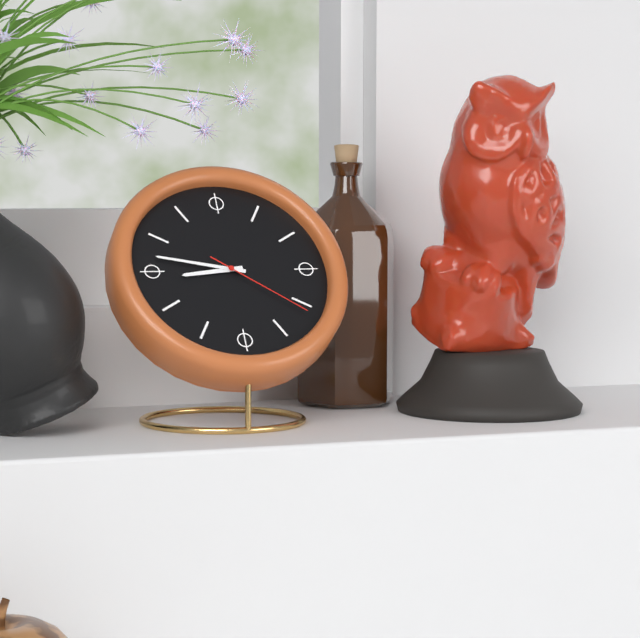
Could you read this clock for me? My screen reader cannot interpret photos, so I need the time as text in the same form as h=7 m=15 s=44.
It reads h=8 m=47 s=21
